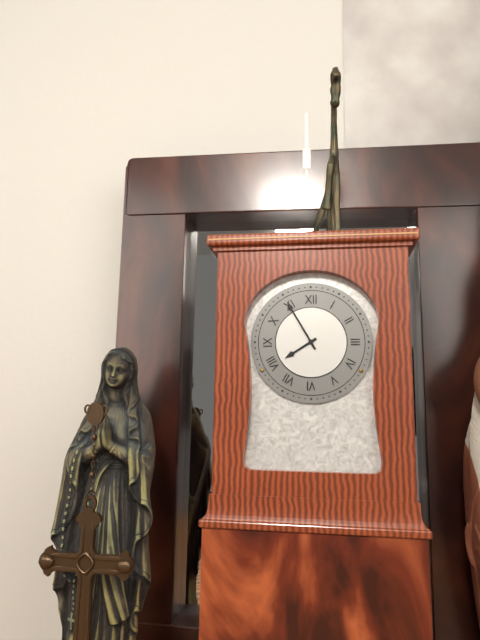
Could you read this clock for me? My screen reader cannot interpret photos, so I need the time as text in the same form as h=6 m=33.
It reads h=7 m=55
